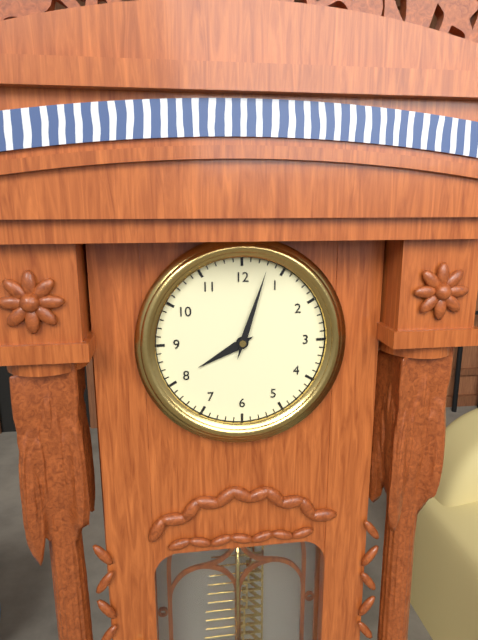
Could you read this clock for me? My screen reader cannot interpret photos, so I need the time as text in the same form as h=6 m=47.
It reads h=8 m=3
